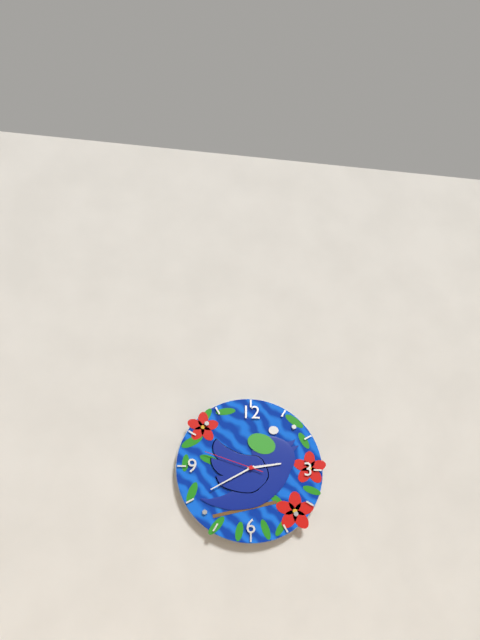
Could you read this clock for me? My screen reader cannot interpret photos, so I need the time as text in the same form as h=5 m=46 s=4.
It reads h=2 m=40 s=48
